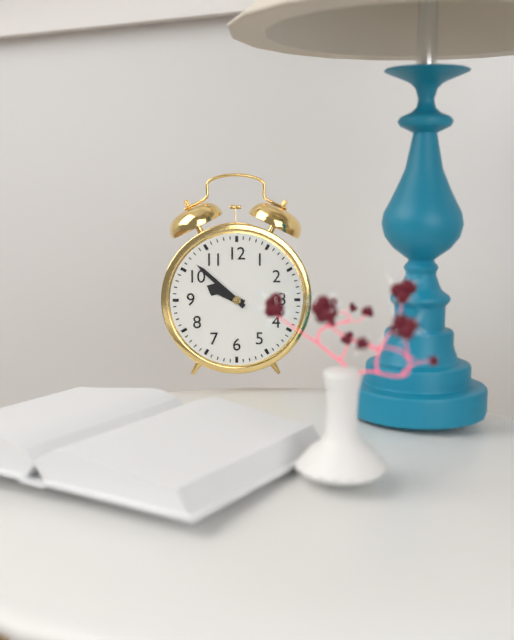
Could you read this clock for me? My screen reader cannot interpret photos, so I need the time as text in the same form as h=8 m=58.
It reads h=9 m=52
